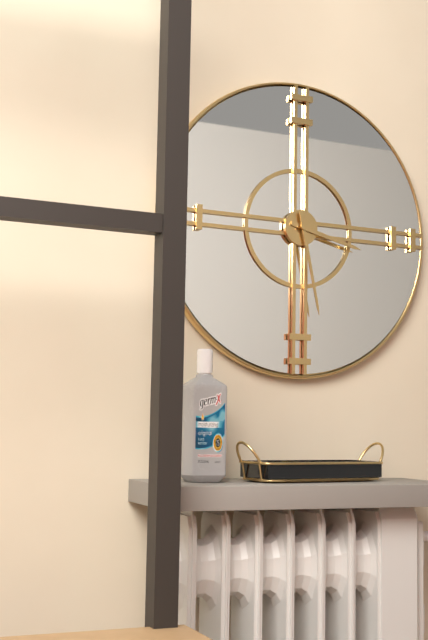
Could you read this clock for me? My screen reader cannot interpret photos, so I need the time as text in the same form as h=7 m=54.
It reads h=3 m=28
